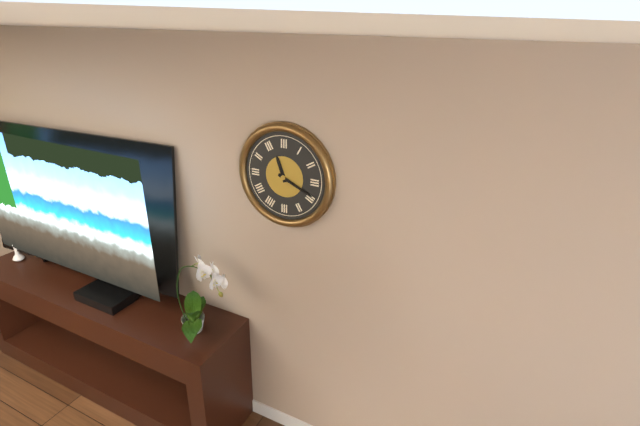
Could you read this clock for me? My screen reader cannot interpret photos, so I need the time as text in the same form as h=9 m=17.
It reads h=11 m=19
